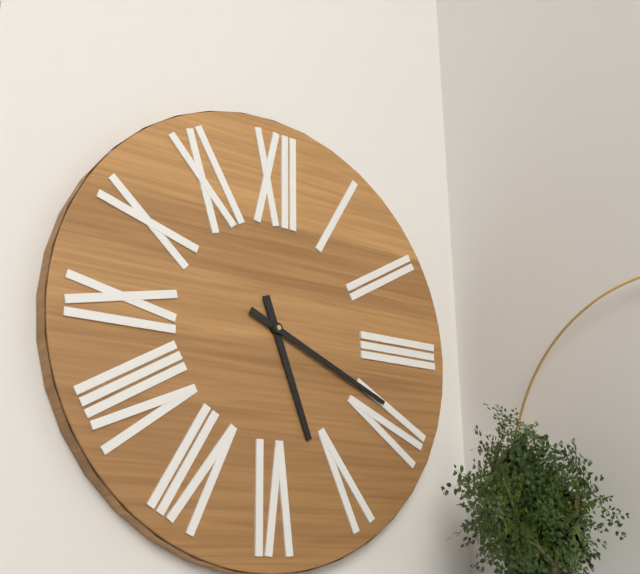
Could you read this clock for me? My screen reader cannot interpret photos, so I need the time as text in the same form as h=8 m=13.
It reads h=5 m=19
